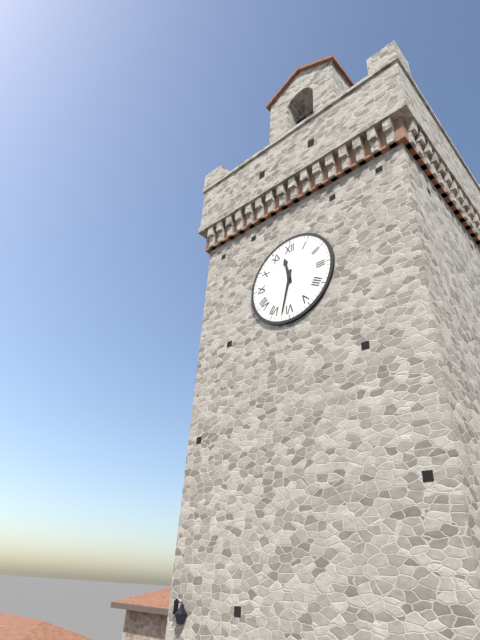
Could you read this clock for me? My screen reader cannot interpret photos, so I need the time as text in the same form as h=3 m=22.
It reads h=11 m=32
